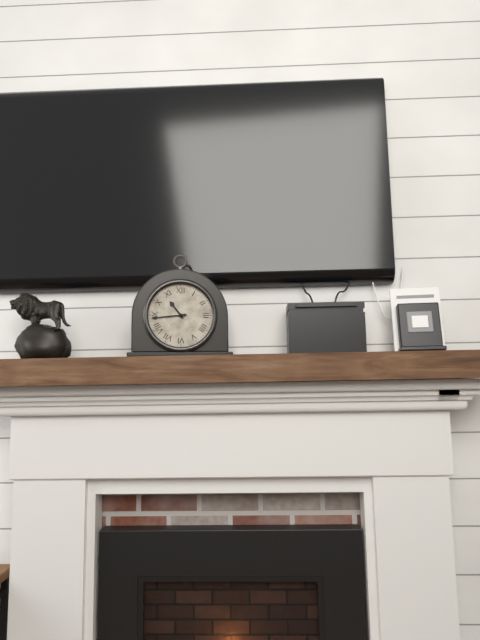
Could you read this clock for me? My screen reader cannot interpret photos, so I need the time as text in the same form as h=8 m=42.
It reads h=10 m=44
